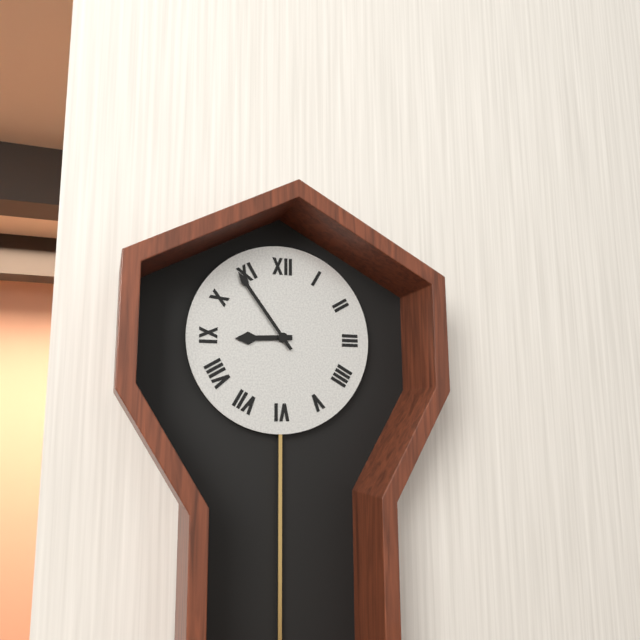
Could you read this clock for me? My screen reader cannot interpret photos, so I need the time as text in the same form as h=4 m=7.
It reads h=8 m=54
